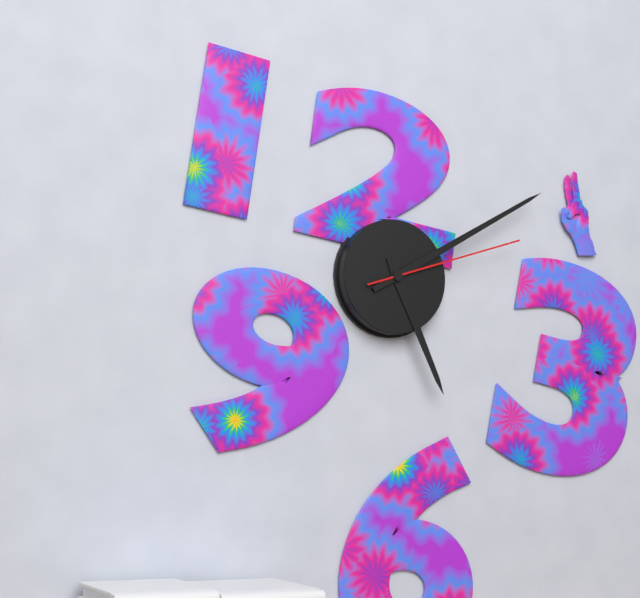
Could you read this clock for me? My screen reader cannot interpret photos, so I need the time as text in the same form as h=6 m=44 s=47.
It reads h=5 m=10 s=12
